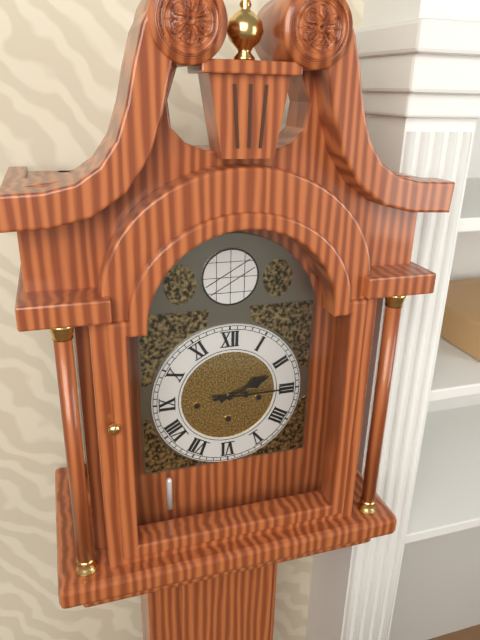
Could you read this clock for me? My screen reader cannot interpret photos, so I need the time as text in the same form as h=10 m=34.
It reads h=2 m=15
